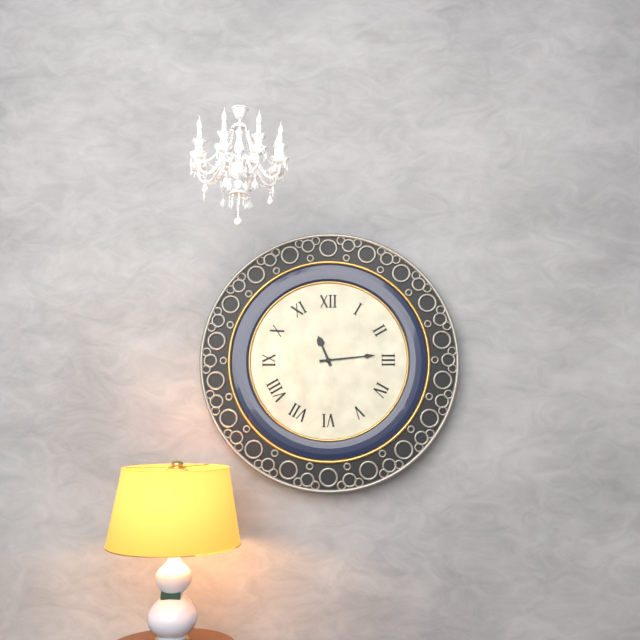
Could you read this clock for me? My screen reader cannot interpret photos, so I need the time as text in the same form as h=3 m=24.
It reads h=11 m=14
